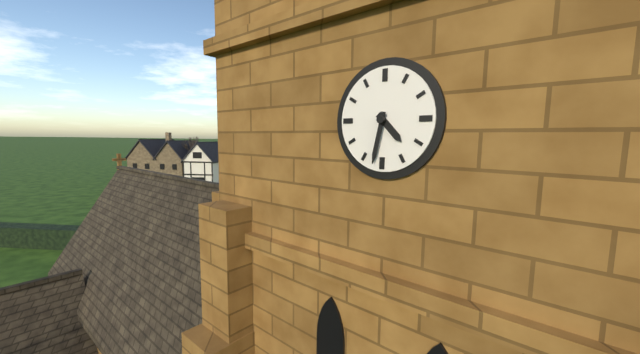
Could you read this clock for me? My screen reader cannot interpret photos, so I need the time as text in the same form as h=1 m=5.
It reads h=4 m=32
